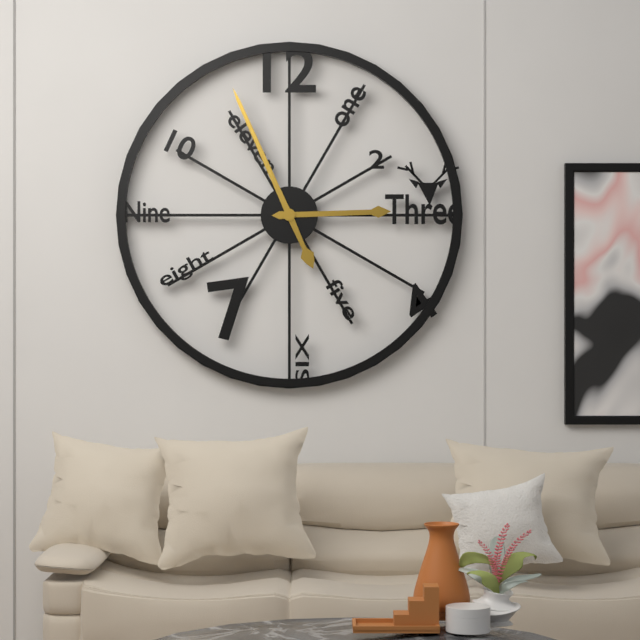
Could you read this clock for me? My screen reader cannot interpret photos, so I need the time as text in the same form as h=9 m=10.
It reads h=2 m=56
